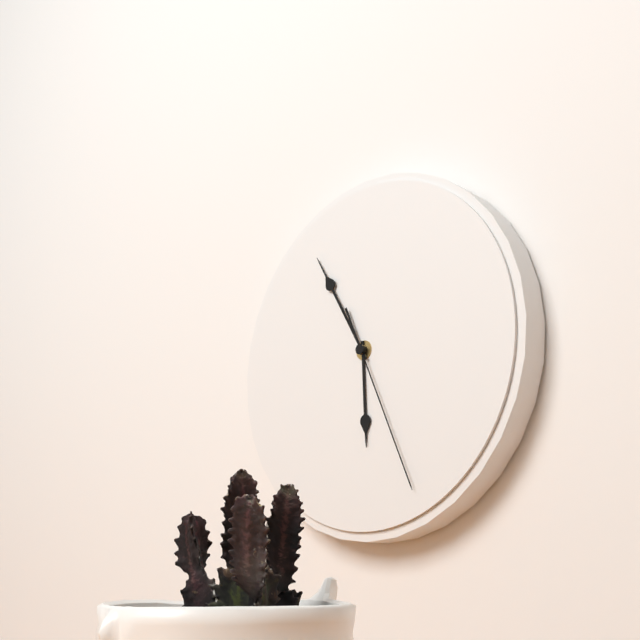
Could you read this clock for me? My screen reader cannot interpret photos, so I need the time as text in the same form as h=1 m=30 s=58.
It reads h=5 m=55 s=26
